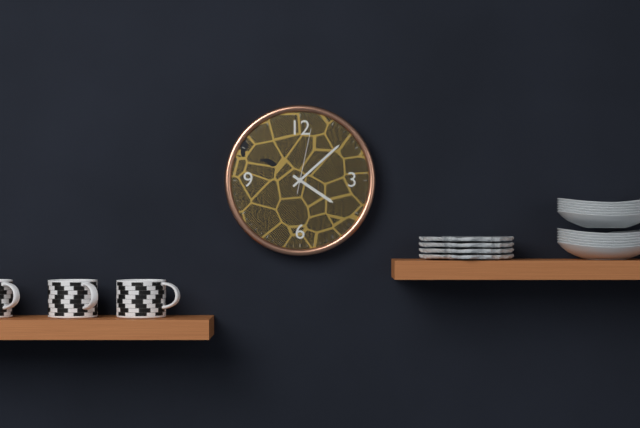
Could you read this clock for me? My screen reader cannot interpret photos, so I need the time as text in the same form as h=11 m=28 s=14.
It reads h=4 m=8 s=2
